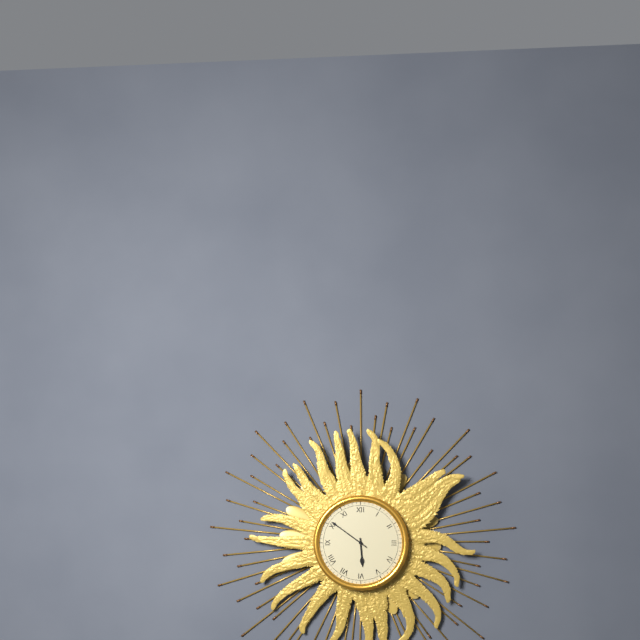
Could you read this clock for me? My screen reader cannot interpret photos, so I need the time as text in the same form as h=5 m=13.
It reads h=5 m=51
